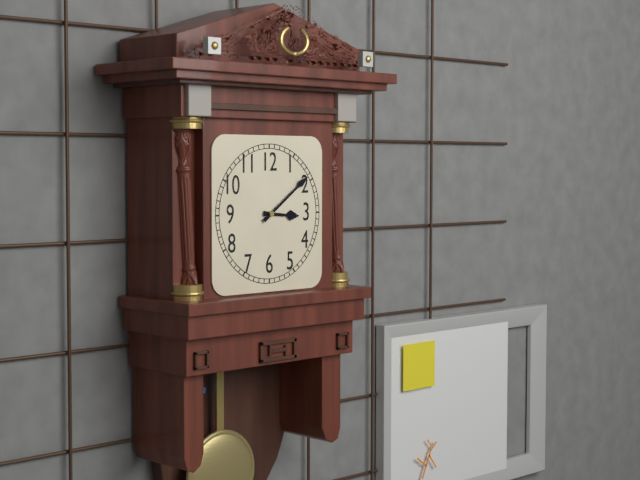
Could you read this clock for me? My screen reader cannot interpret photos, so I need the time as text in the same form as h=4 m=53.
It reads h=3 m=9
